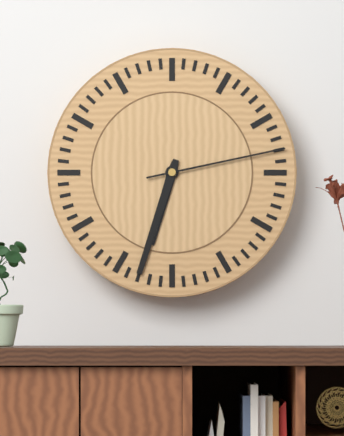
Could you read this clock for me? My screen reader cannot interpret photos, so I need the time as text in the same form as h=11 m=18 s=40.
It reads h=6 m=33 s=13
